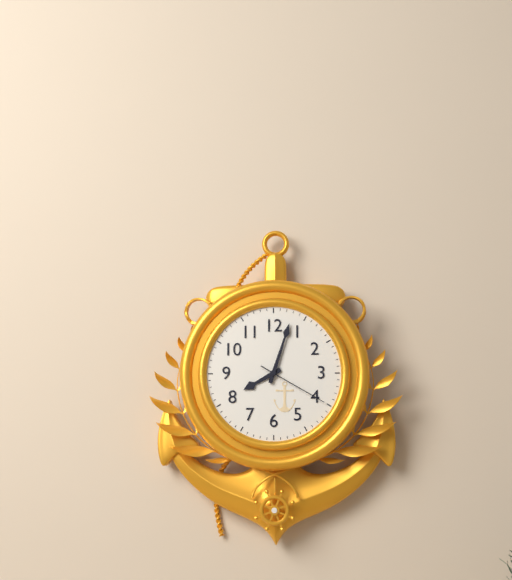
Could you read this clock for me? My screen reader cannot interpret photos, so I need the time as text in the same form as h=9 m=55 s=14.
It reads h=8 m=3 s=20
